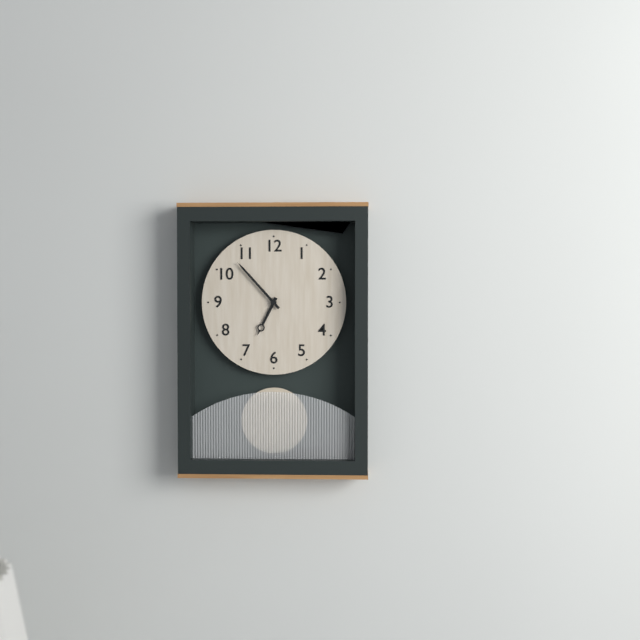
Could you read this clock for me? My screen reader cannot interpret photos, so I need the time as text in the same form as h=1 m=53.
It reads h=6 m=53
